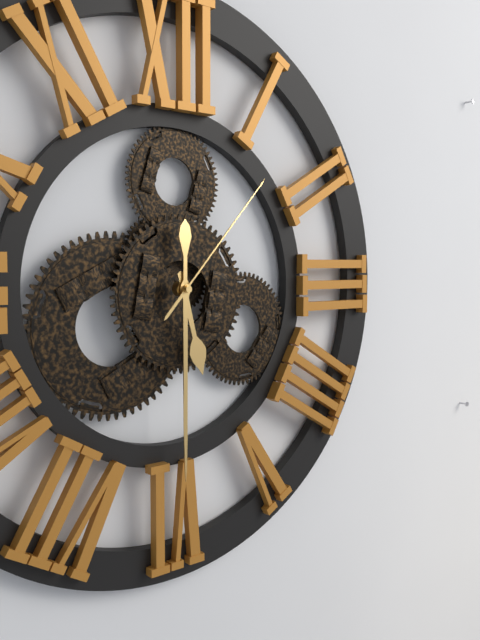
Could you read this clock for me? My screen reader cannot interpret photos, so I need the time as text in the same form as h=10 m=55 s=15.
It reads h=5 m=30 s=7
